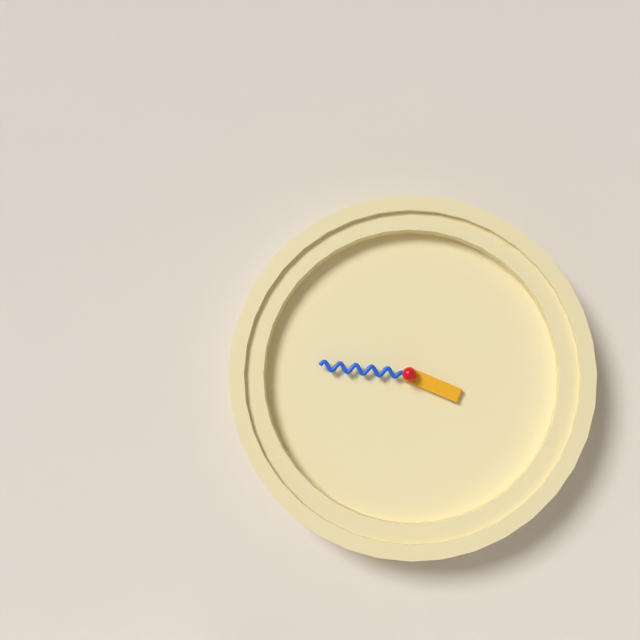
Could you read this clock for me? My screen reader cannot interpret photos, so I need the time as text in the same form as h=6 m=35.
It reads h=3 m=46
